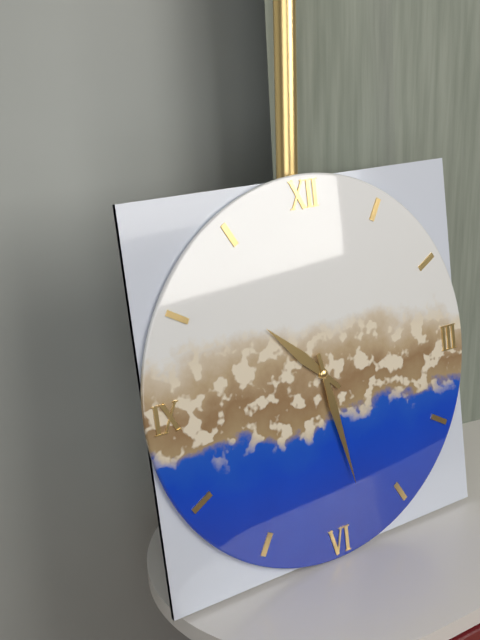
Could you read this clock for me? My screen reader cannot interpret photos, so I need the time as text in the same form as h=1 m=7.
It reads h=10 m=28
